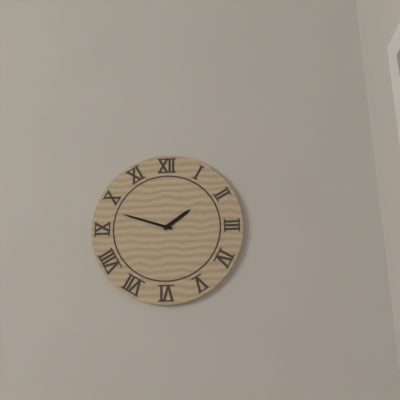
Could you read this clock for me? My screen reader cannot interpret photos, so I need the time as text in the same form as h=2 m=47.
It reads h=1 m=48
